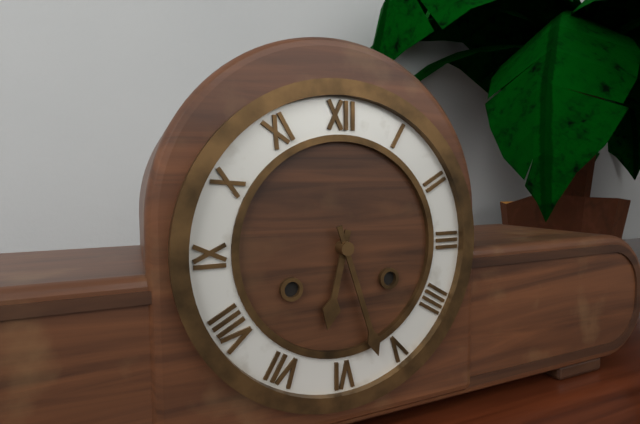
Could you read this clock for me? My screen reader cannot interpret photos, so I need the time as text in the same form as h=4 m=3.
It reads h=6 m=27
